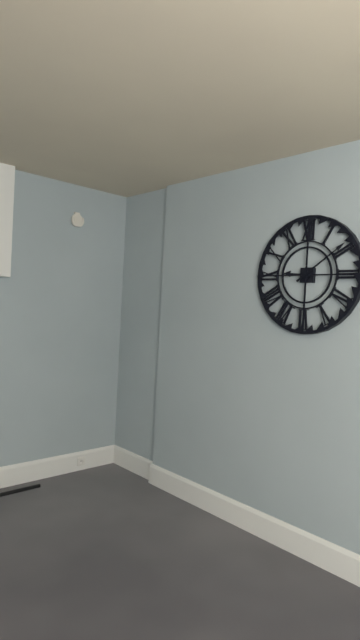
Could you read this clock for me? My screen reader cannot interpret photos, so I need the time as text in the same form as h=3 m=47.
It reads h=9 m=9
